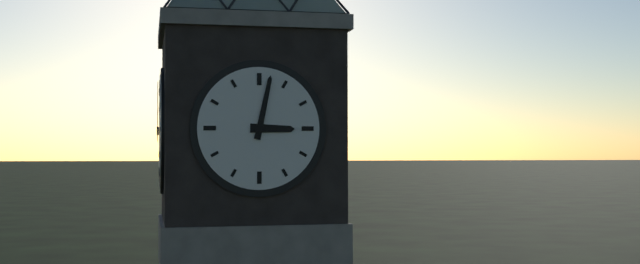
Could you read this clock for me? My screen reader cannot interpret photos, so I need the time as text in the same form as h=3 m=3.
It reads h=3 m=2
